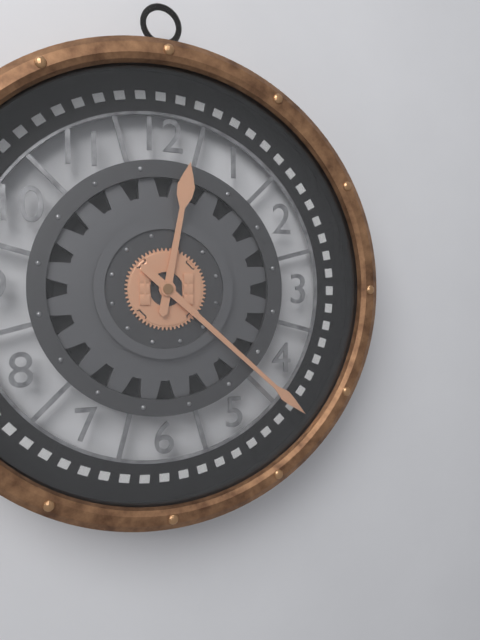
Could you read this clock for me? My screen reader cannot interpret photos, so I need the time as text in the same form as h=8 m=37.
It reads h=12 m=22
